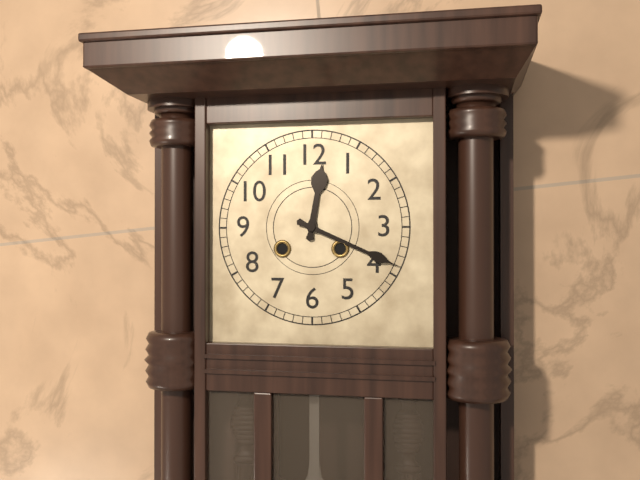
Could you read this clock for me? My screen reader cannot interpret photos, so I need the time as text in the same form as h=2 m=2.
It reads h=12 m=19
